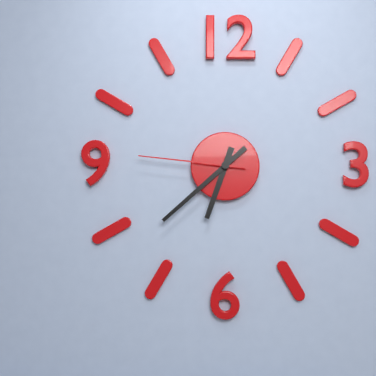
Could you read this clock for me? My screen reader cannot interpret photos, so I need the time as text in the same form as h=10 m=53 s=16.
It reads h=6 m=38 s=46
